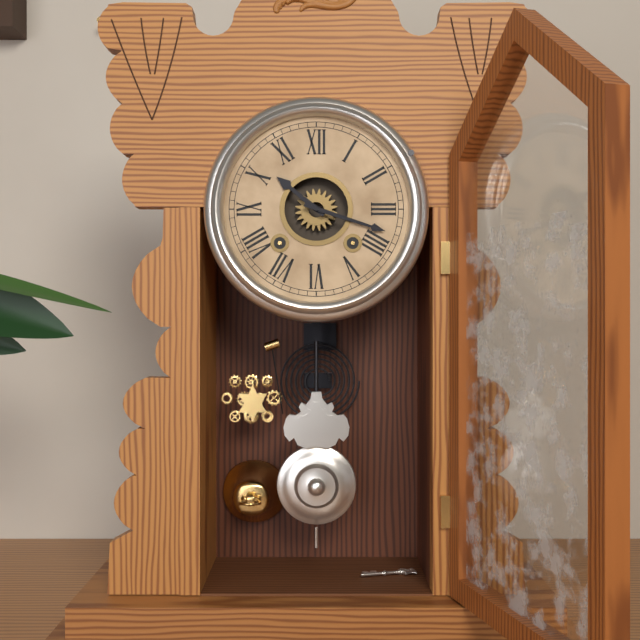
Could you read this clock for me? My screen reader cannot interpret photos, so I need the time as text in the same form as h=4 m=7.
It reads h=10 m=18
